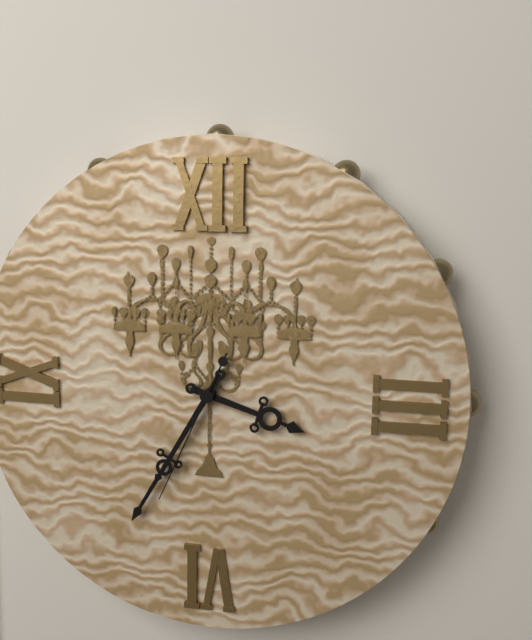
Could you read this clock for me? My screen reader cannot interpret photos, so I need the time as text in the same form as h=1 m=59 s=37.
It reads h=3 m=35 s=34
